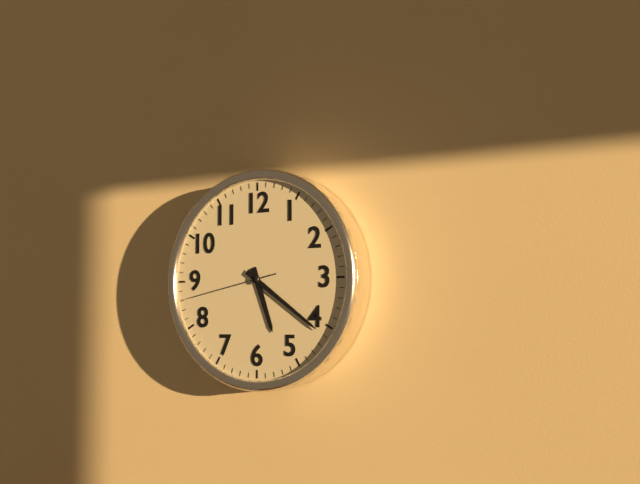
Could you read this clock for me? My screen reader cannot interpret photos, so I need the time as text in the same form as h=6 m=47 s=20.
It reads h=5 m=21 s=43
